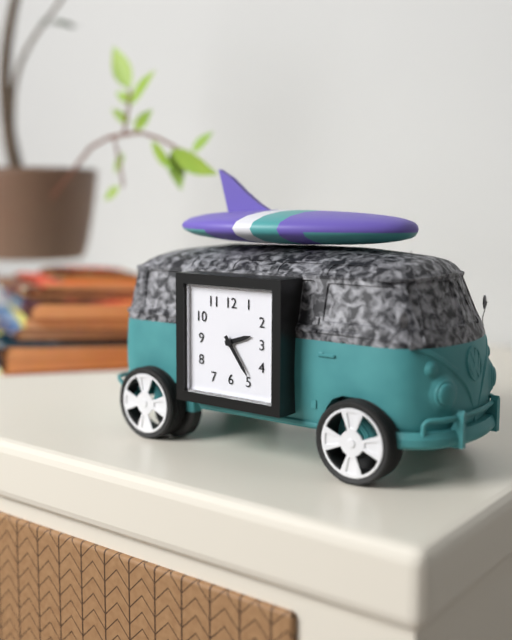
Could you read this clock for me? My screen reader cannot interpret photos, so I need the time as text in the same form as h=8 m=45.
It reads h=2 m=24
